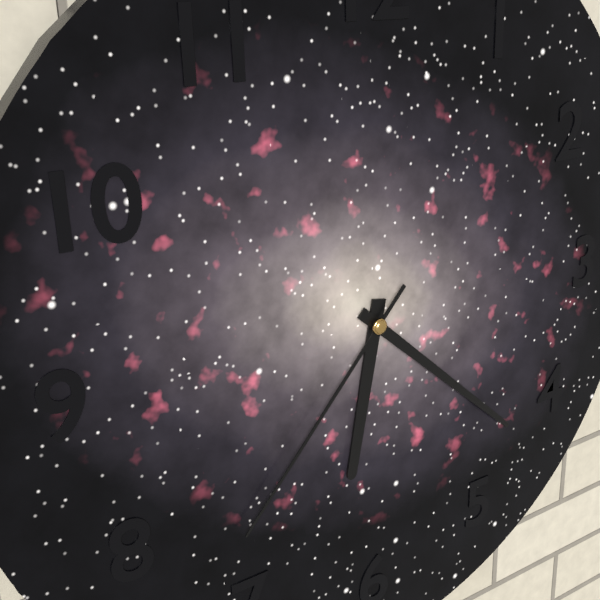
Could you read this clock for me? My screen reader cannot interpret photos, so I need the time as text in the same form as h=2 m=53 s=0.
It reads h=6 m=22 s=37
